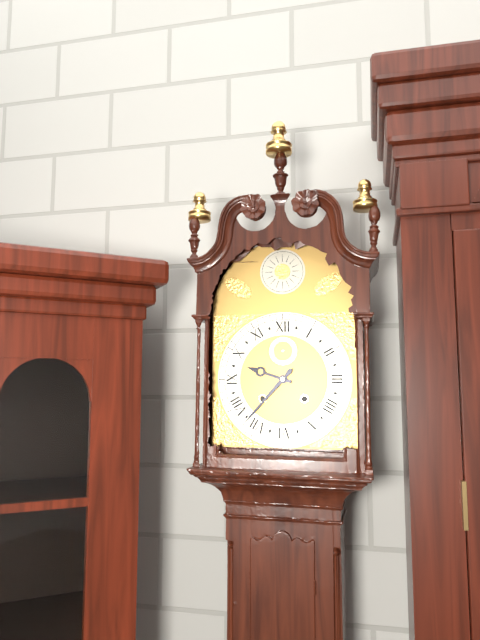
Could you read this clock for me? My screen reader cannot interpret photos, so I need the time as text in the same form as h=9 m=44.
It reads h=9 m=37
